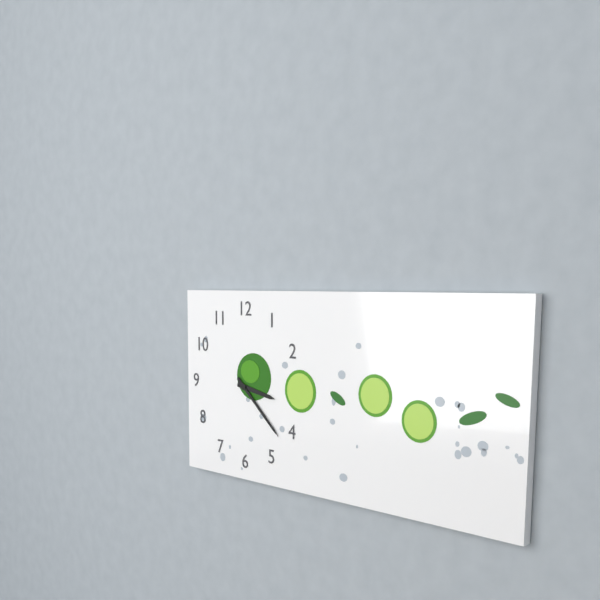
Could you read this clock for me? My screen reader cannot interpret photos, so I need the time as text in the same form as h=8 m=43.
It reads h=3 m=22
